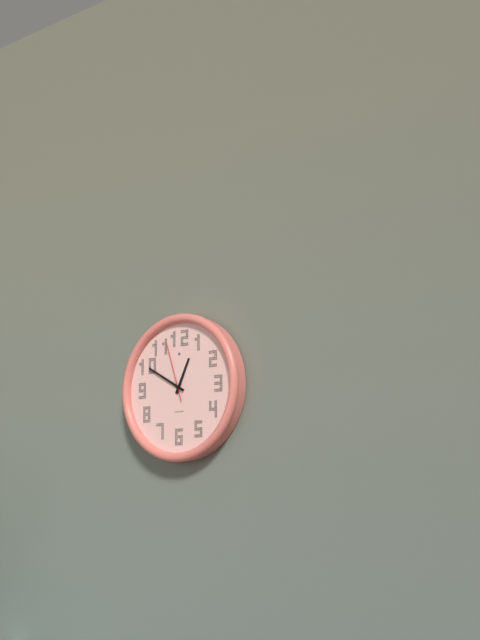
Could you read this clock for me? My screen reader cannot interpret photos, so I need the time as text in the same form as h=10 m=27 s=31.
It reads h=12 m=50 s=57
